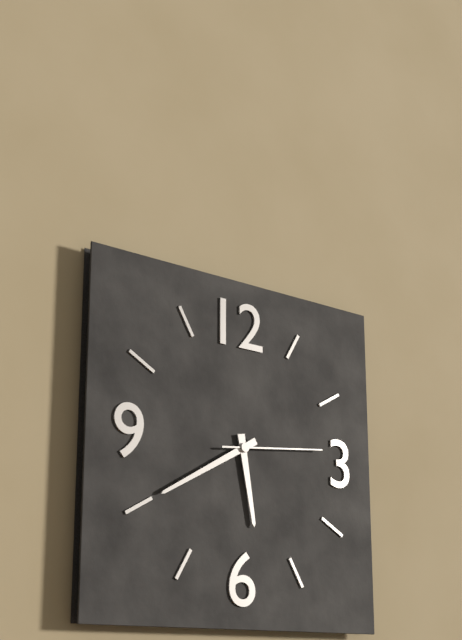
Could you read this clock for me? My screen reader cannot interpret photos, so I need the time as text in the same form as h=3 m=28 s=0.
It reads h=5 m=40 s=14
